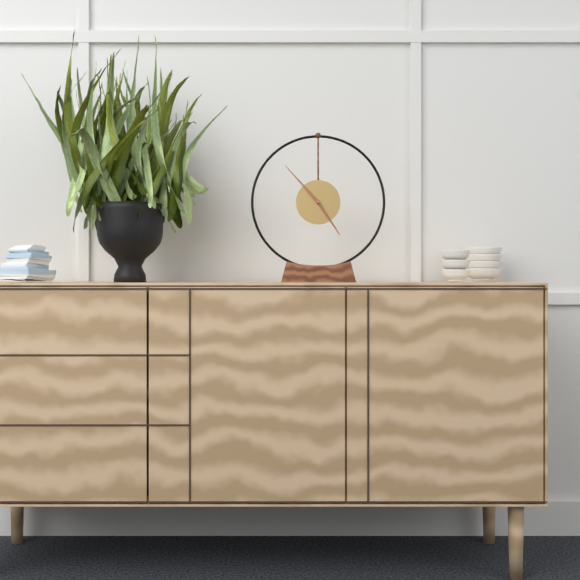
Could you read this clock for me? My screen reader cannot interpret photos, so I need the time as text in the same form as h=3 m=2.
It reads h=4 m=53
